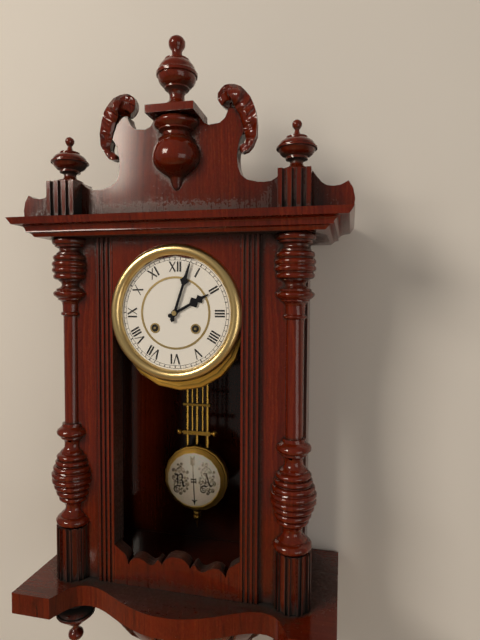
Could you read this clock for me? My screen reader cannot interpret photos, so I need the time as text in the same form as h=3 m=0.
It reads h=2 m=3
